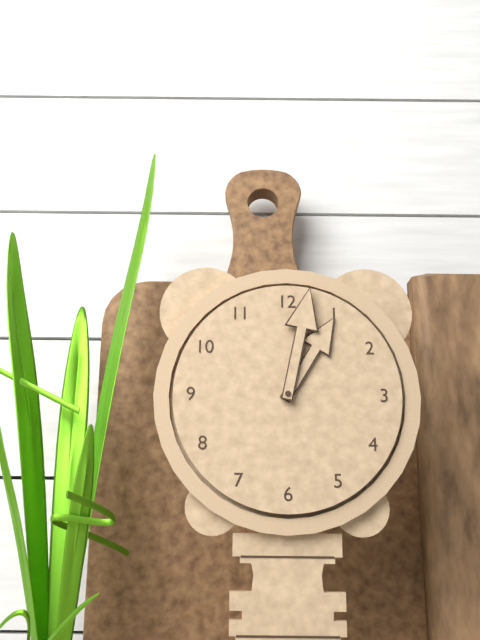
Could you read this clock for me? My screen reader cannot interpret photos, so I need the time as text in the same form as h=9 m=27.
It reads h=1 m=2
